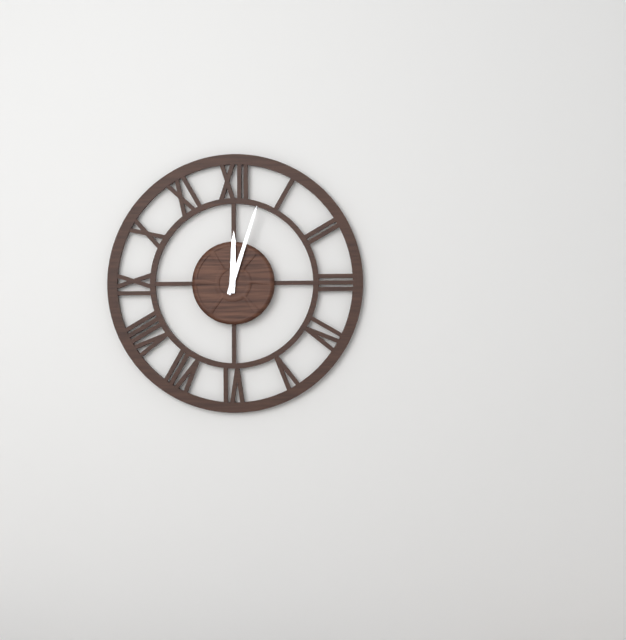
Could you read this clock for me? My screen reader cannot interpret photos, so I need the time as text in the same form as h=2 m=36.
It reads h=12 m=3
